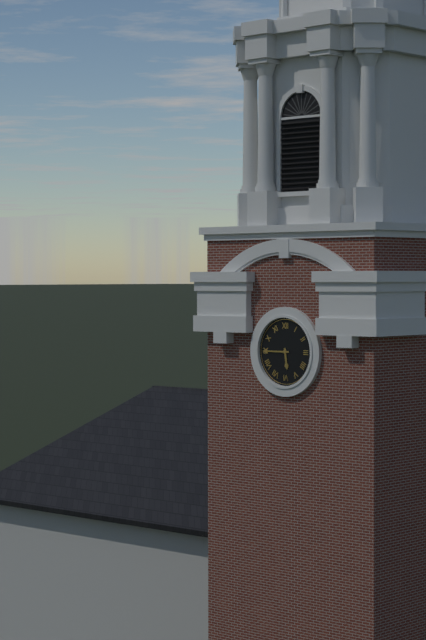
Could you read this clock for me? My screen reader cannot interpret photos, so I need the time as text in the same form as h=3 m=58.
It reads h=5 m=45
